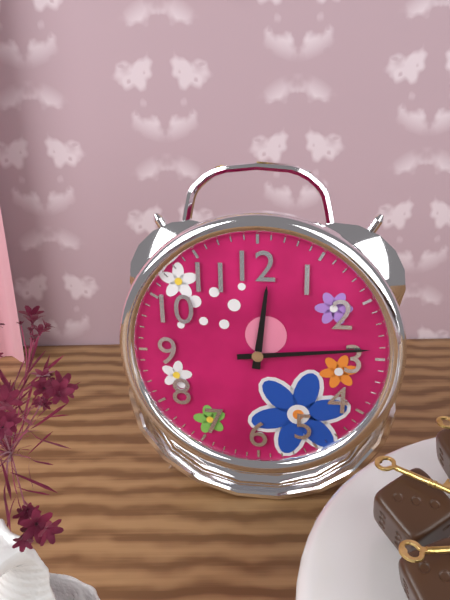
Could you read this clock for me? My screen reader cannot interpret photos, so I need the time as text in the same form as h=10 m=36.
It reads h=12 m=14
